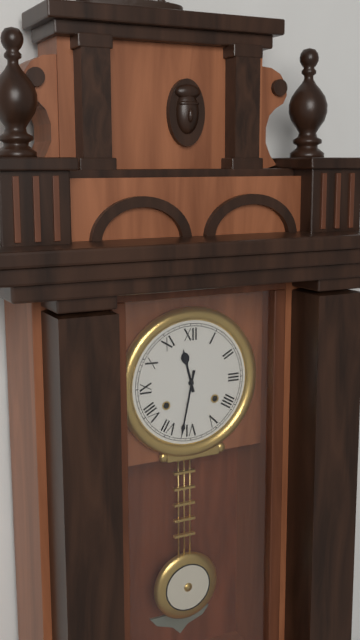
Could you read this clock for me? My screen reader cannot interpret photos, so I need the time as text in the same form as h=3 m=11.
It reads h=11 m=32
